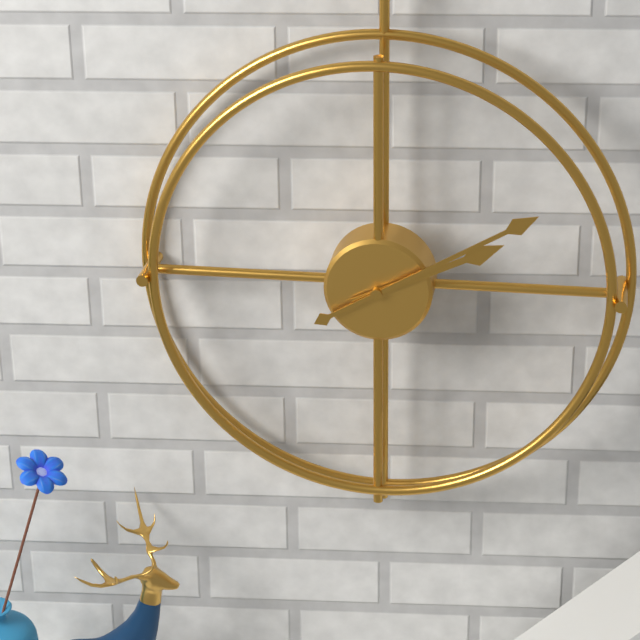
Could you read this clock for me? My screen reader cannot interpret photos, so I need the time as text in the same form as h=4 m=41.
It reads h=2 m=10
